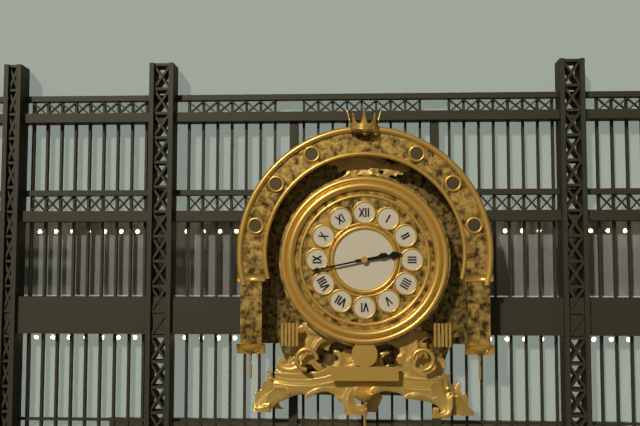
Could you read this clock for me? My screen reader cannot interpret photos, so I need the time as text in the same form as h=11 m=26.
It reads h=2 m=43
